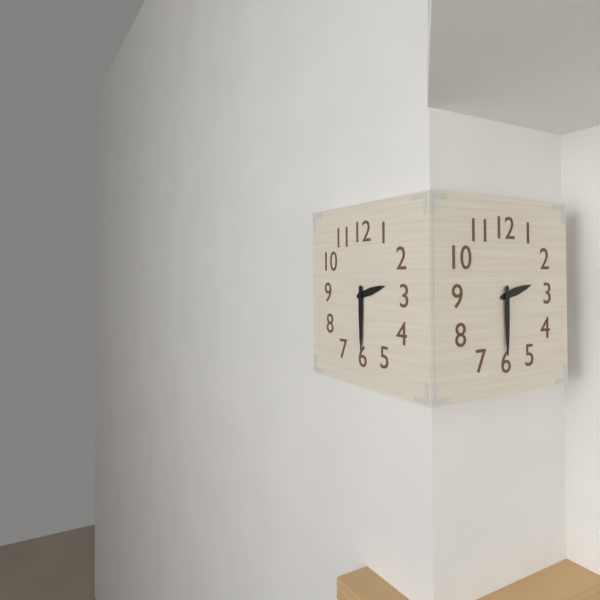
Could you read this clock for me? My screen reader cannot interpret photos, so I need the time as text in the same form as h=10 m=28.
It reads h=2 m=30
